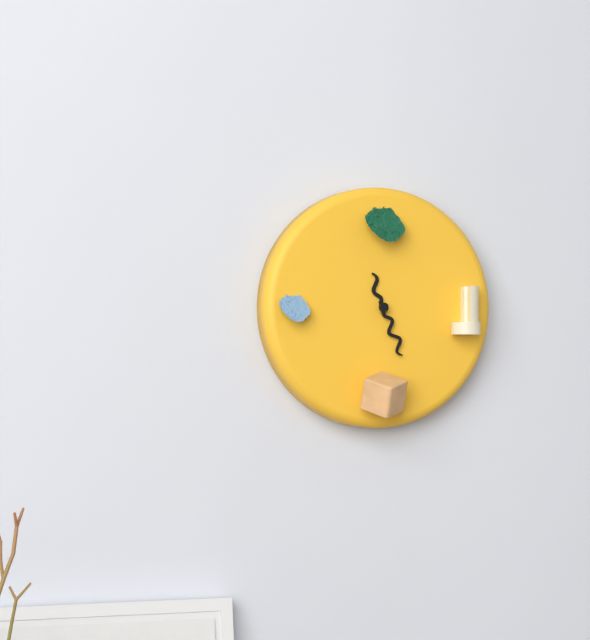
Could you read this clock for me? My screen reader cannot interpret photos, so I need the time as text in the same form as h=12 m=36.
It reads h=11 m=26
